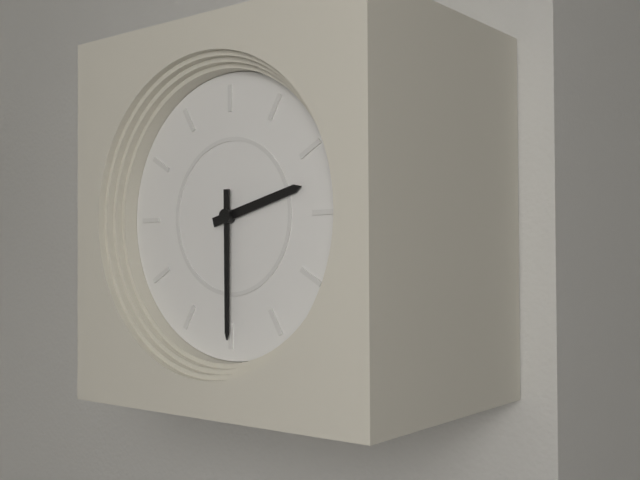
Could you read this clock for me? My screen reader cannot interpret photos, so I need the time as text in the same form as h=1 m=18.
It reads h=2 m=30
